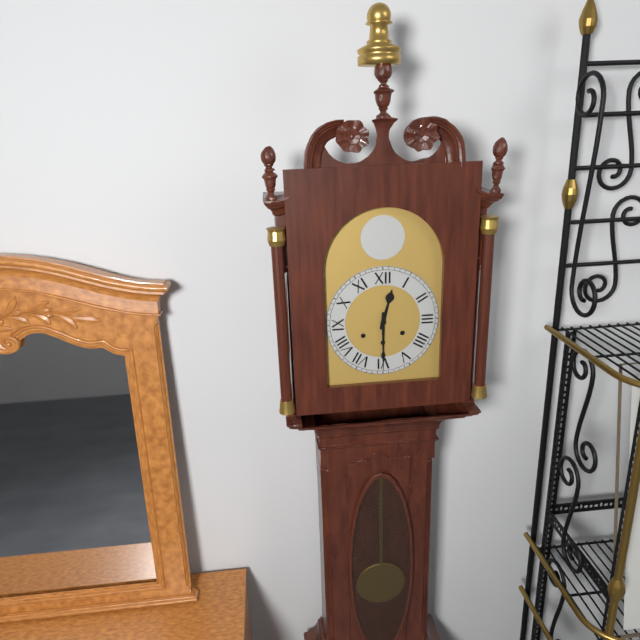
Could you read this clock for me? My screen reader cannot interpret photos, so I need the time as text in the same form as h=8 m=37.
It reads h=12 m=30
